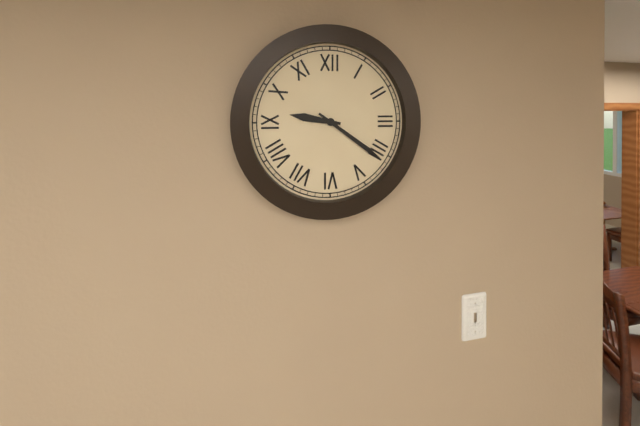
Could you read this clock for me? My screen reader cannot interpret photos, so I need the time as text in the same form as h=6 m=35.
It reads h=9 m=21
